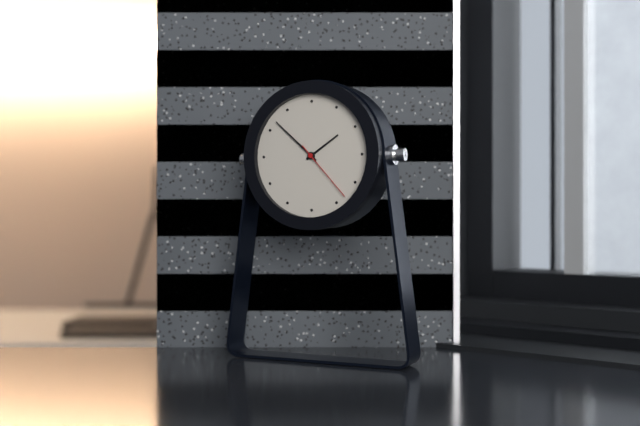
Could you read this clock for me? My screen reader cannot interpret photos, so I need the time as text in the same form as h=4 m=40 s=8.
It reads h=1 m=52 s=23
